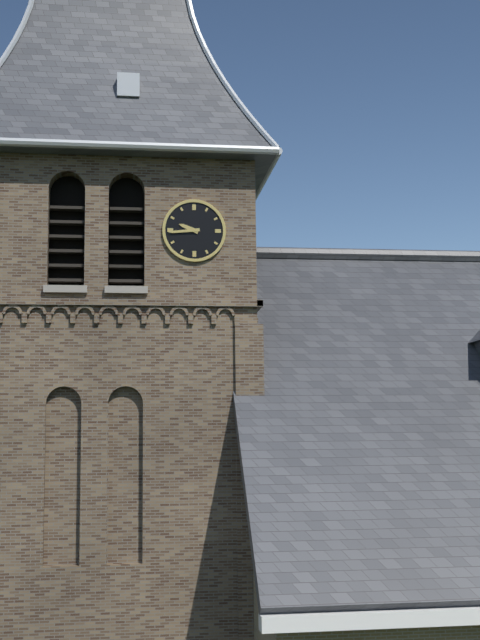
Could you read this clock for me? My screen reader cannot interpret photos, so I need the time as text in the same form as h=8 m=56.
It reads h=9 m=44
